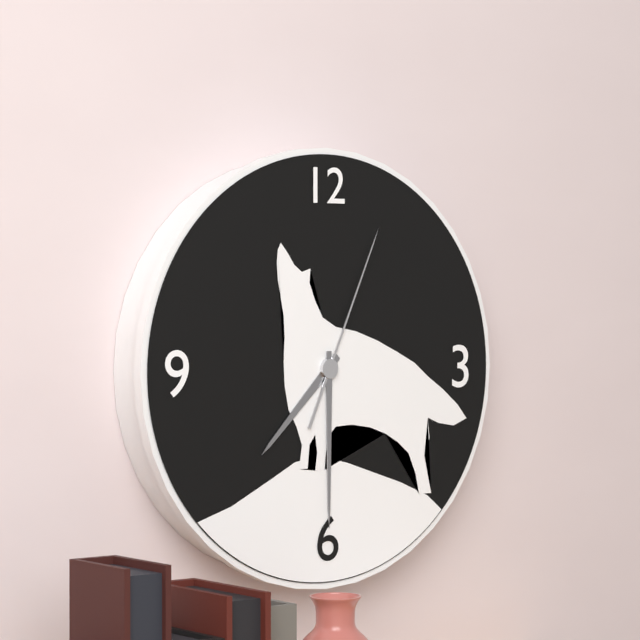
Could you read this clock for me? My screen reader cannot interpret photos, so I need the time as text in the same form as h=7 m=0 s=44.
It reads h=7 m=30 s=4
